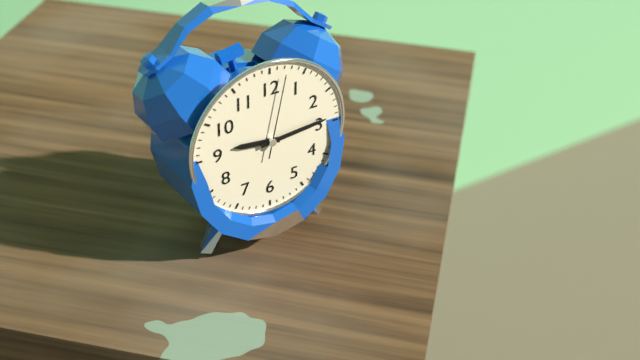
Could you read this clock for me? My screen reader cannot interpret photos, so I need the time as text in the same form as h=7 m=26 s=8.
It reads h=9 m=14 s=2
